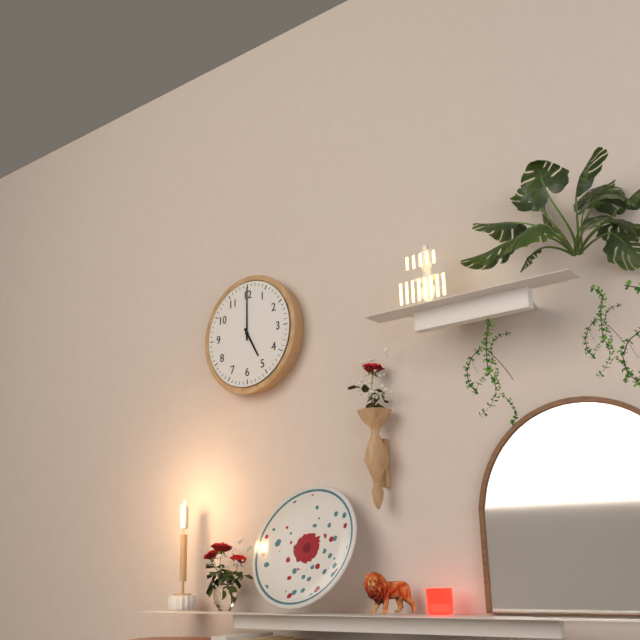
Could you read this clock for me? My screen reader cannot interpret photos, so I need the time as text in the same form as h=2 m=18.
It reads h=5 m=0
